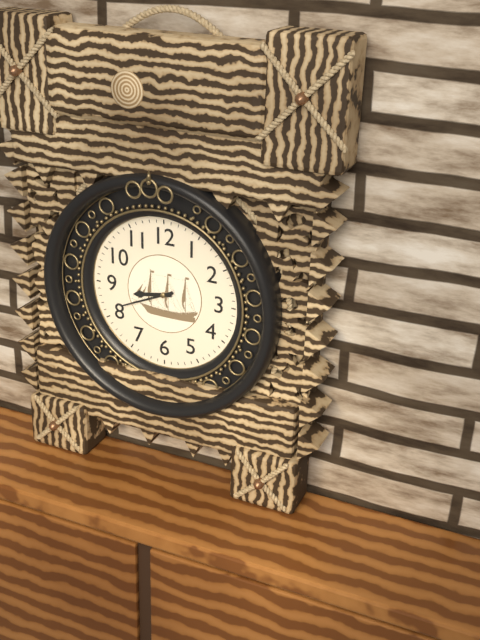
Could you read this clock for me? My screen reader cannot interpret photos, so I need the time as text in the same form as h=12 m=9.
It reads h=8 m=41
